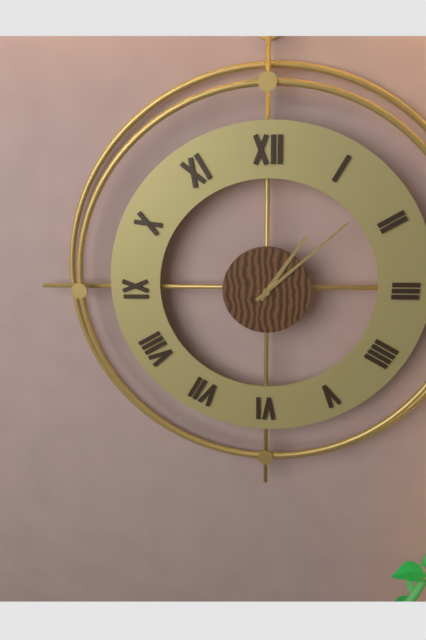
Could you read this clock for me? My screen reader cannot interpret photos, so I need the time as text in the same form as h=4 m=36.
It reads h=1 m=8
